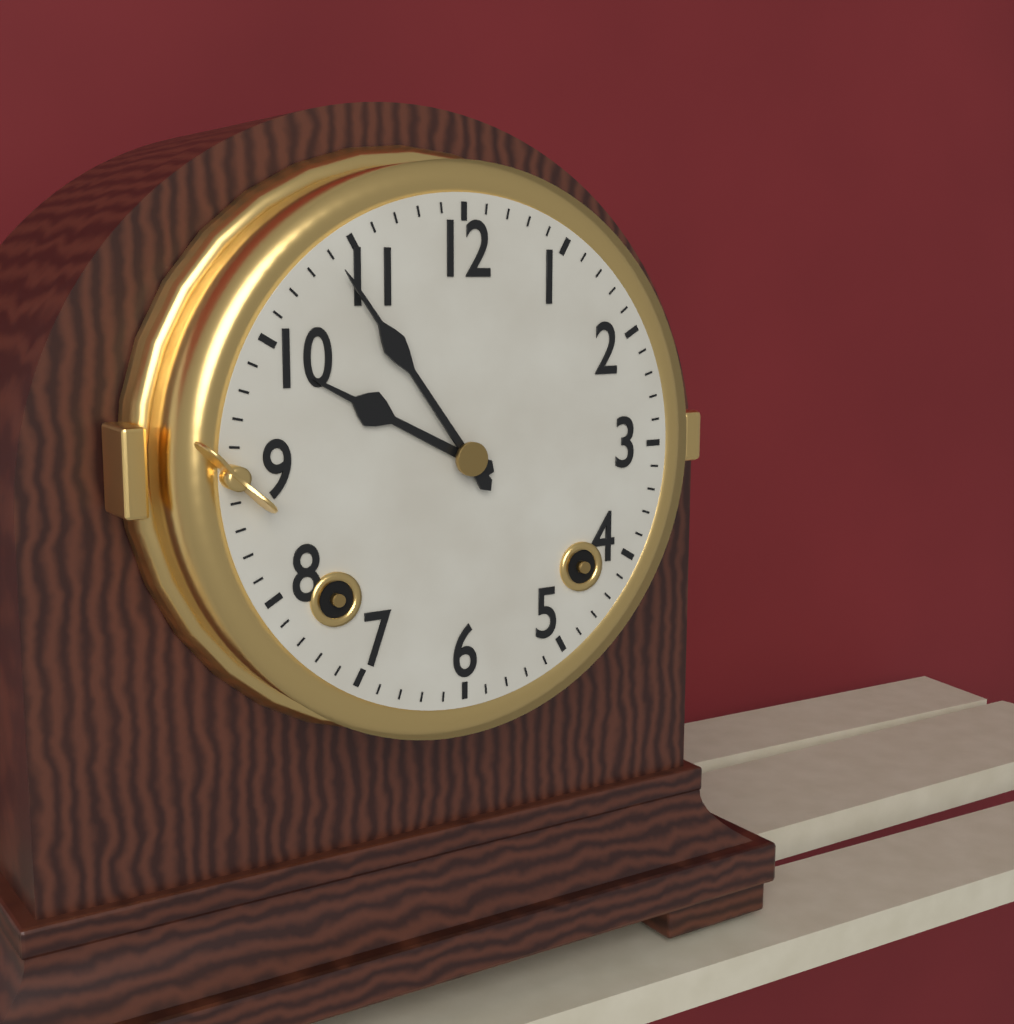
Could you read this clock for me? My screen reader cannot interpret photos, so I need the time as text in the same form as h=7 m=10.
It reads h=9 m=54
